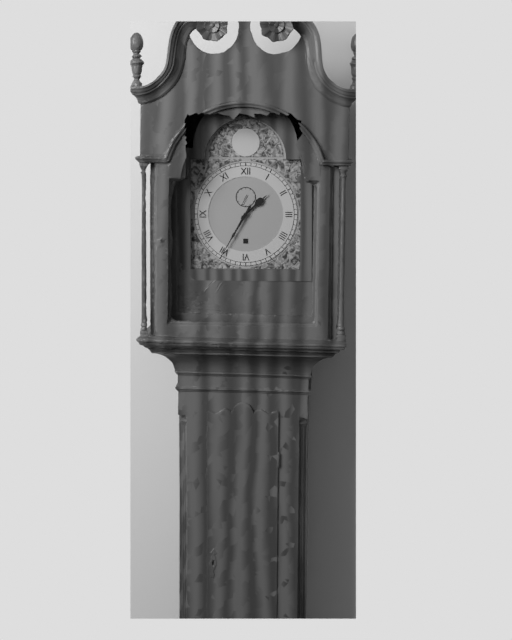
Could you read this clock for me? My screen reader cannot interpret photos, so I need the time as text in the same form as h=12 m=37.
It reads h=1 m=35
